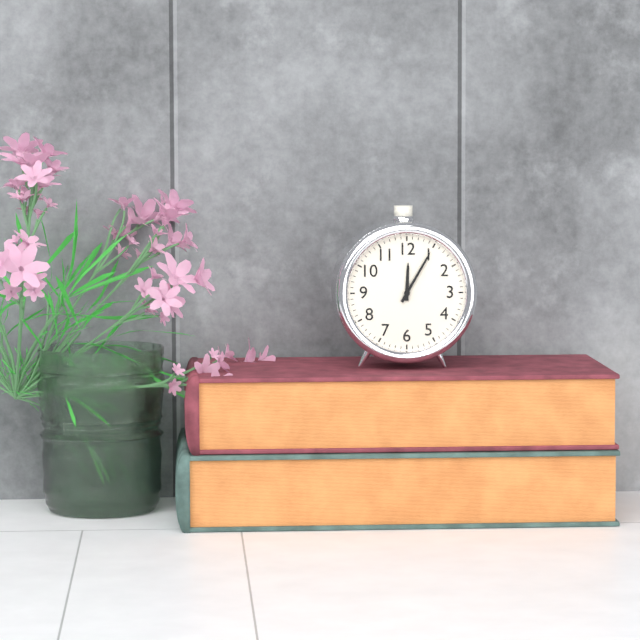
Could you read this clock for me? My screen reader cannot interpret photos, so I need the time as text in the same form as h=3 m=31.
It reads h=12 m=5
